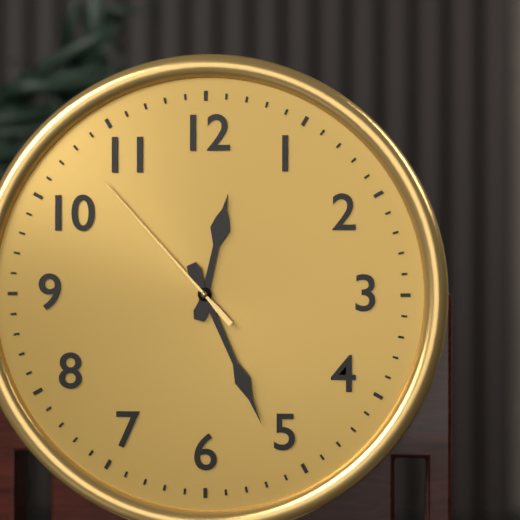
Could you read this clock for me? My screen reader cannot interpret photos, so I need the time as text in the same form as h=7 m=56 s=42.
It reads h=12 m=26 s=53
